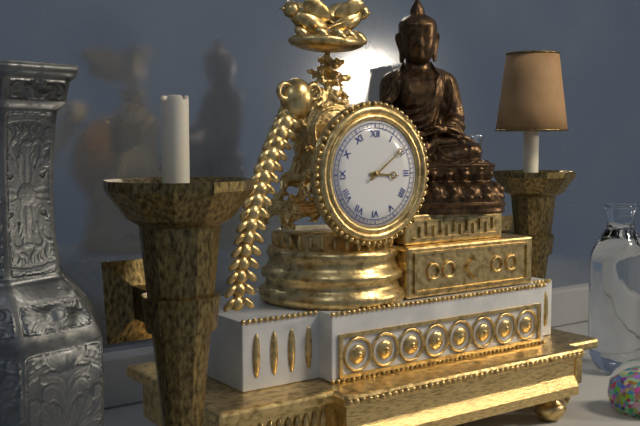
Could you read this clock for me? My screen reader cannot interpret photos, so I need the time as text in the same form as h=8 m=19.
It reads h=3 m=9
